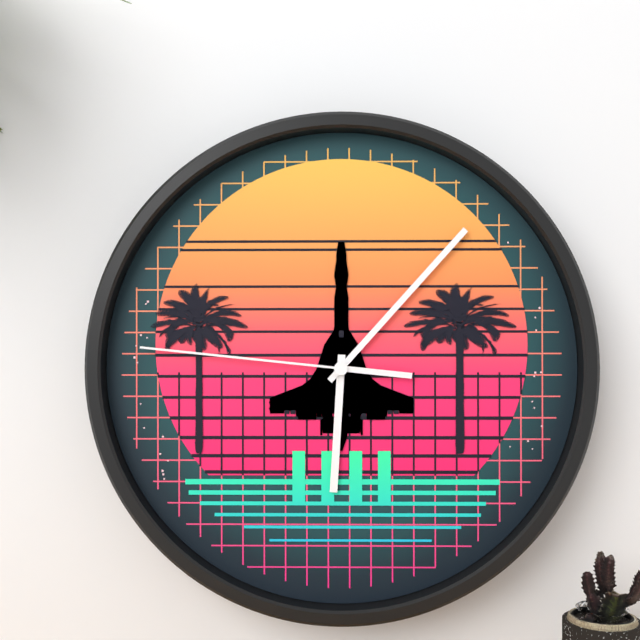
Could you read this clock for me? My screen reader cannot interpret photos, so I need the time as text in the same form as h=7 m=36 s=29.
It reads h=6 m=7 s=46
